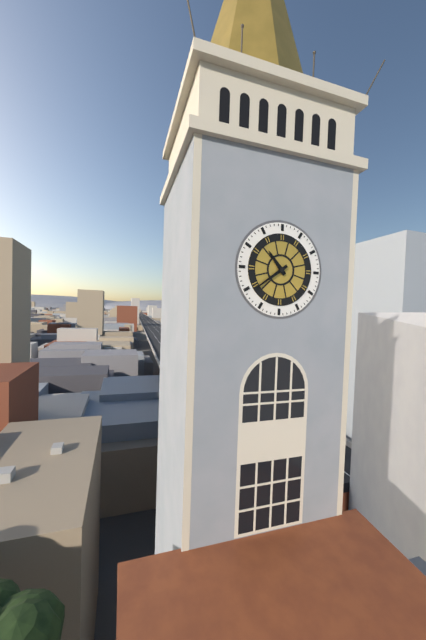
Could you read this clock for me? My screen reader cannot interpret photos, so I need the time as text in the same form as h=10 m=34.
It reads h=10 m=39
